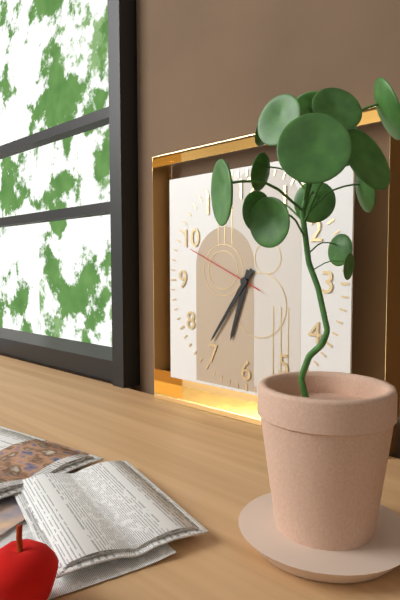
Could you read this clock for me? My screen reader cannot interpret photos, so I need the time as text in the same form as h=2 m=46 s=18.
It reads h=6 m=36 s=49
